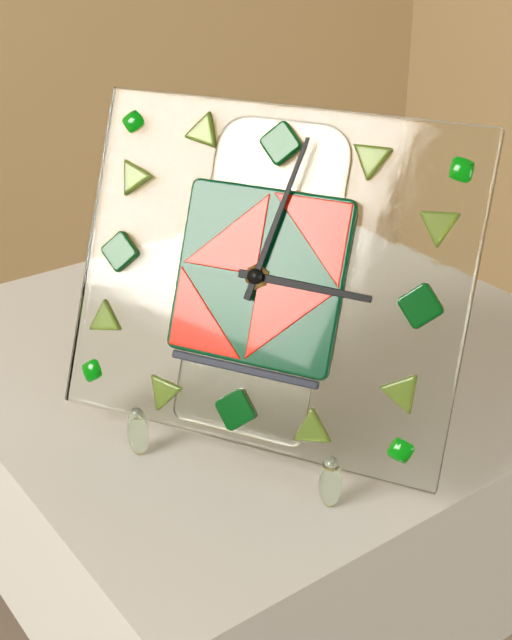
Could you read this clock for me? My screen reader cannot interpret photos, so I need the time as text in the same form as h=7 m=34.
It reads h=3 m=2
